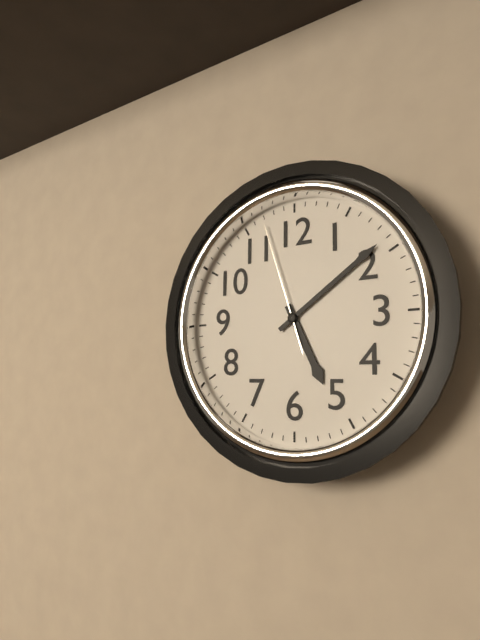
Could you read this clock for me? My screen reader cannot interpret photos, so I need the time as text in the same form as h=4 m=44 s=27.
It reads h=5 m=9 s=57
